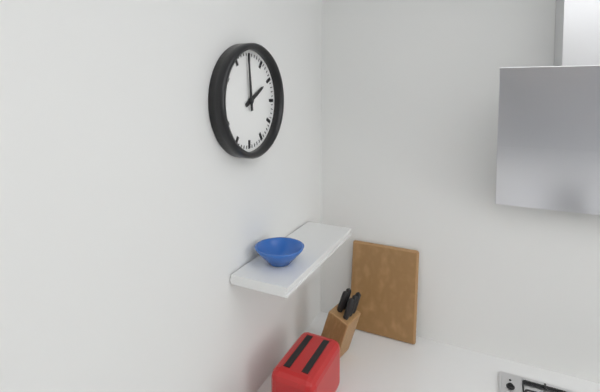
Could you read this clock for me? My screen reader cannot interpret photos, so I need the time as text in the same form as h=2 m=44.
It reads h=1 m=59
